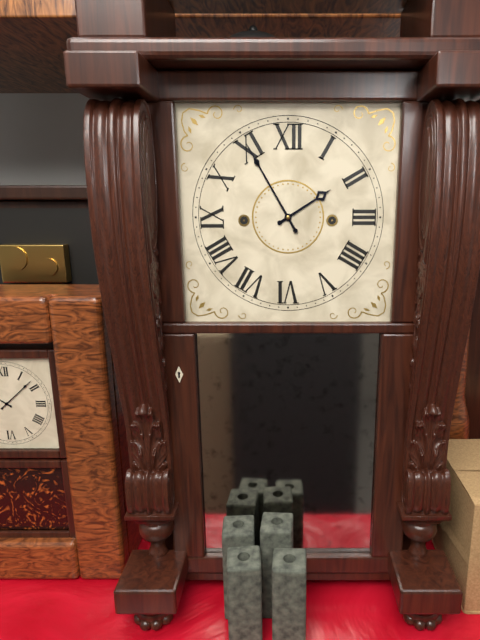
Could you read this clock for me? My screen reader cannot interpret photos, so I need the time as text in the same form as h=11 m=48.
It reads h=1 m=55
